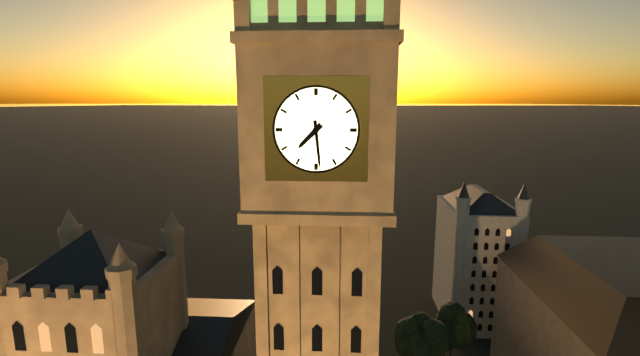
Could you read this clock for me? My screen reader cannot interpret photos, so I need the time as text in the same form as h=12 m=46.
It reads h=7 m=29
